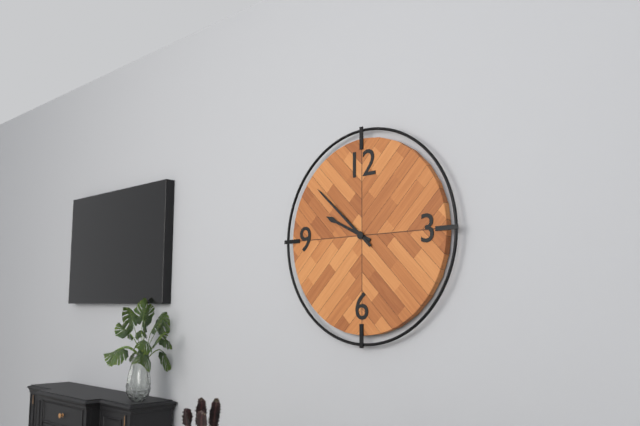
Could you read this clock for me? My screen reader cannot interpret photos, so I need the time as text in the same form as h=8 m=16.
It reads h=9 m=52
